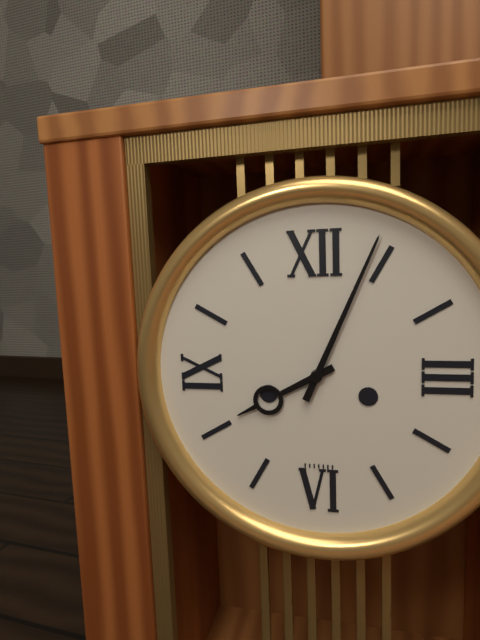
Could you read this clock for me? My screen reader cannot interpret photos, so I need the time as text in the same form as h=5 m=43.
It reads h=8 m=4
